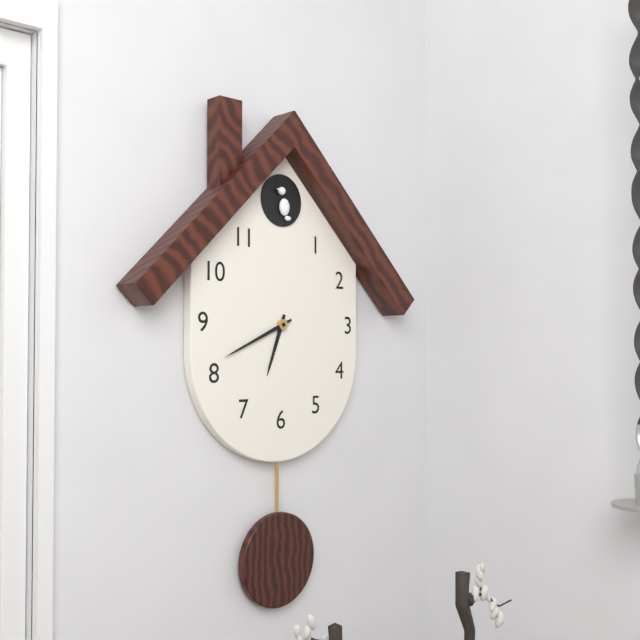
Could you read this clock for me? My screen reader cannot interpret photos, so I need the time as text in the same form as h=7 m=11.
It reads h=6 m=41
